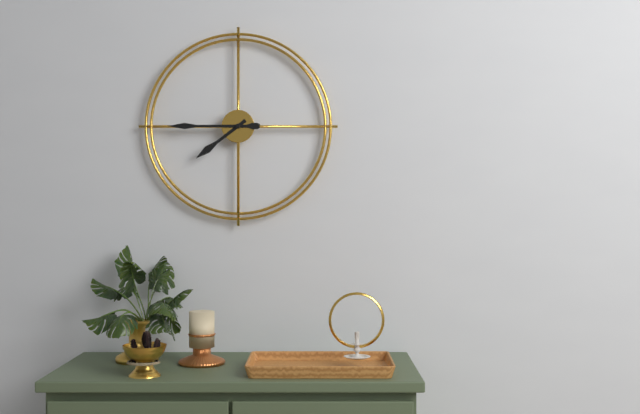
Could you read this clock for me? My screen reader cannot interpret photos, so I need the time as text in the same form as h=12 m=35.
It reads h=7 m=45
